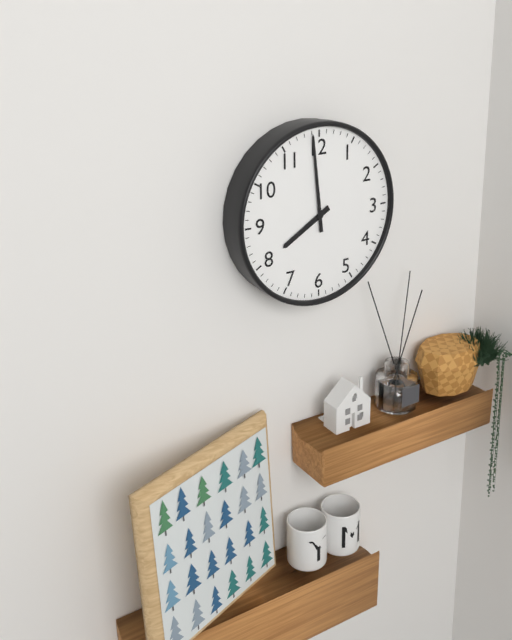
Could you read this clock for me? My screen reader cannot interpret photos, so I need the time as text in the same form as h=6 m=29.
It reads h=7 m=59
